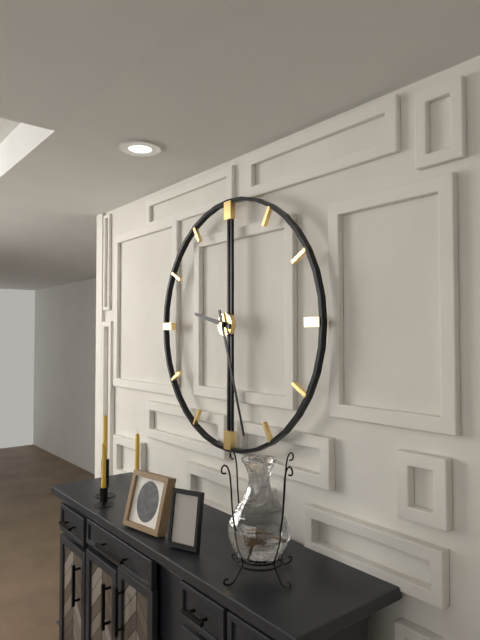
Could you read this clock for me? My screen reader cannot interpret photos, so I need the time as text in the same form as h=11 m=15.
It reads h=9 m=27
